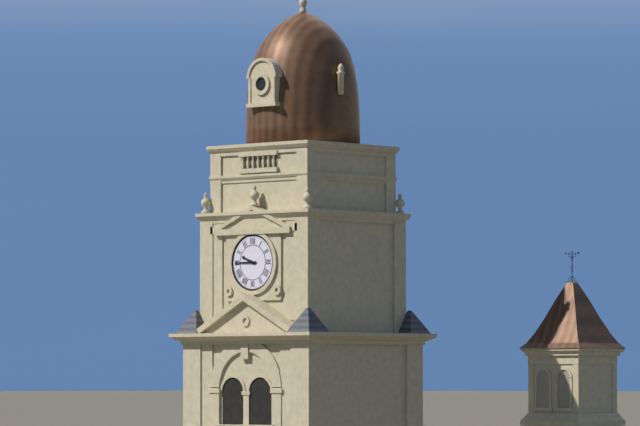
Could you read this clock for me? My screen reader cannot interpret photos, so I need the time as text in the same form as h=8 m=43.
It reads h=9 m=45
